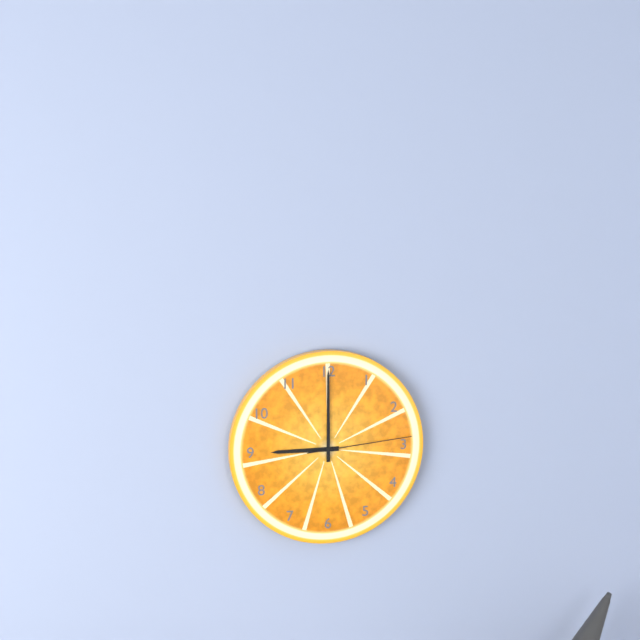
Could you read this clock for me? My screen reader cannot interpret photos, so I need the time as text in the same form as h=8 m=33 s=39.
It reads h=9 m=0 s=14
